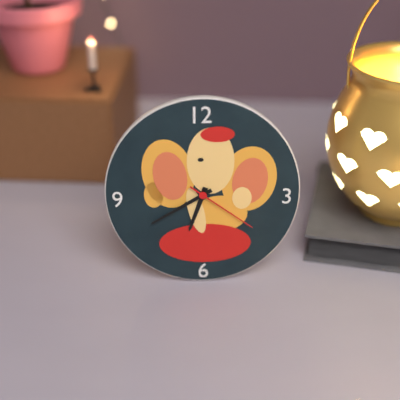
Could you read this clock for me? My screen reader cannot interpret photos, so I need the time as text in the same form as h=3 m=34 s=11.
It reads h=6 m=40 s=21
